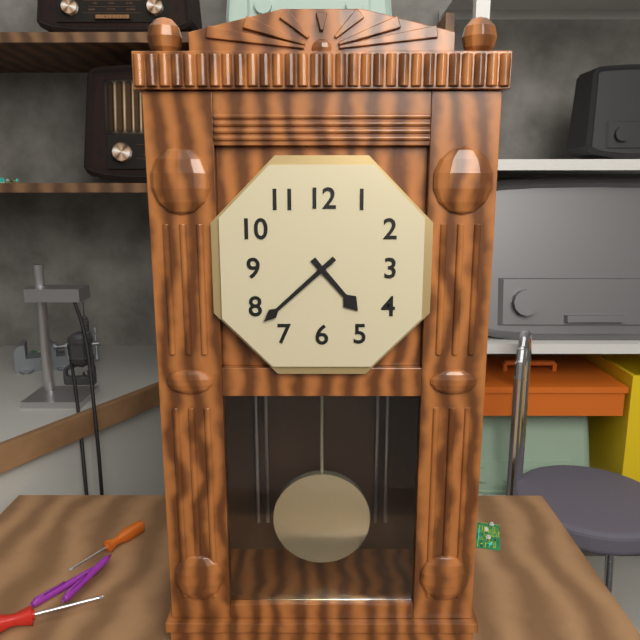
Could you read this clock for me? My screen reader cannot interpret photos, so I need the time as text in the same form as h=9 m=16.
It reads h=4 m=38
